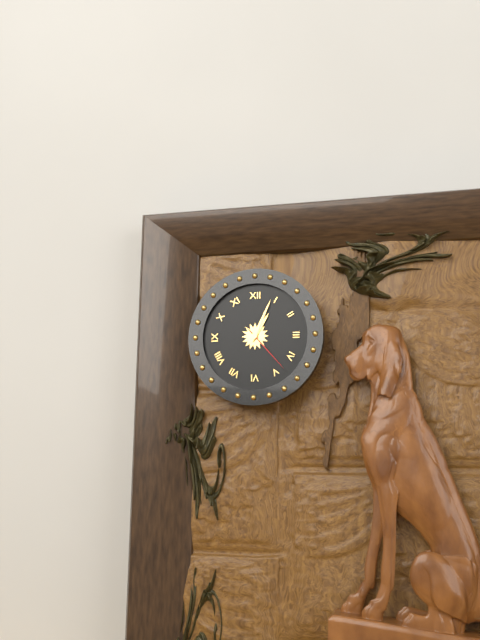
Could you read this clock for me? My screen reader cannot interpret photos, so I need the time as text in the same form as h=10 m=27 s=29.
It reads h=1 m=4 s=23
